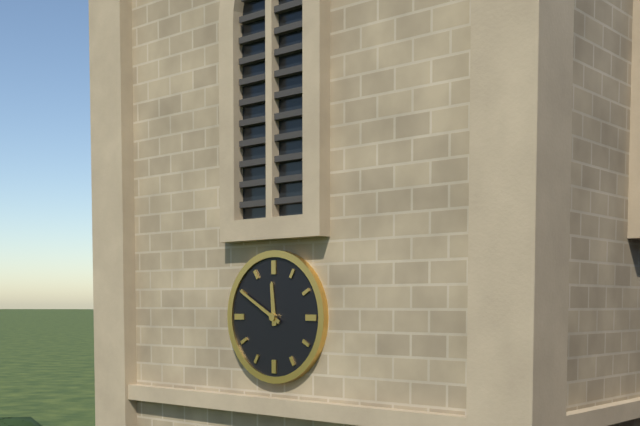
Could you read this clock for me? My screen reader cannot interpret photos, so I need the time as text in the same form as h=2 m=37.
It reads h=11 m=50
